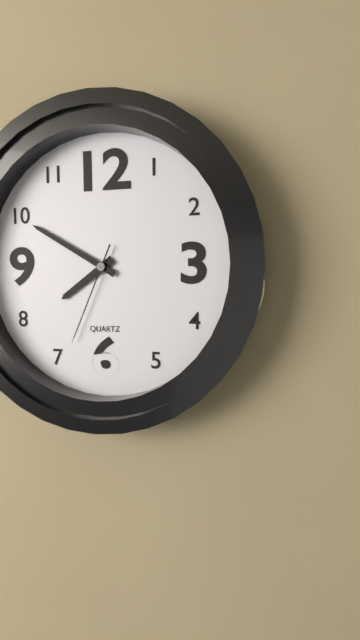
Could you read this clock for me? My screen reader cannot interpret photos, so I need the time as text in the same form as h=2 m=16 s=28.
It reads h=7 m=50 s=34
